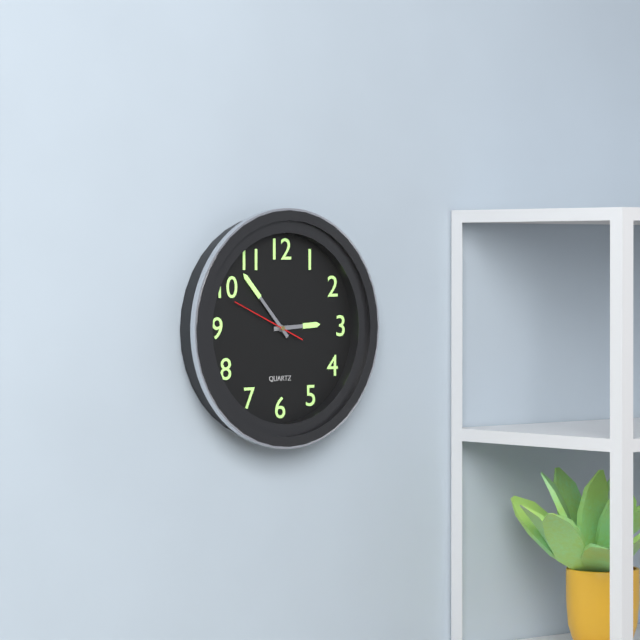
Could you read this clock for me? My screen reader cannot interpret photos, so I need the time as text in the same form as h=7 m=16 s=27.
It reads h=2 m=53 s=49
